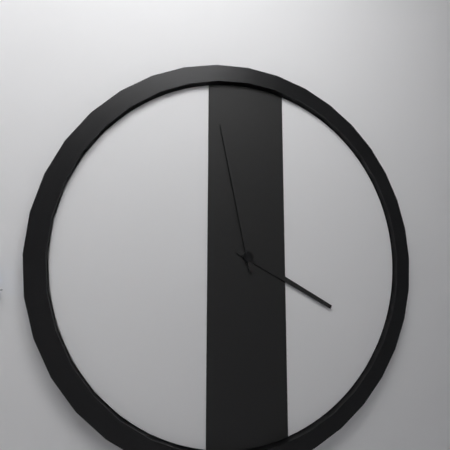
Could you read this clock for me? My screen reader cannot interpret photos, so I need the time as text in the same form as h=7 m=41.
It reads h=3 m=58
